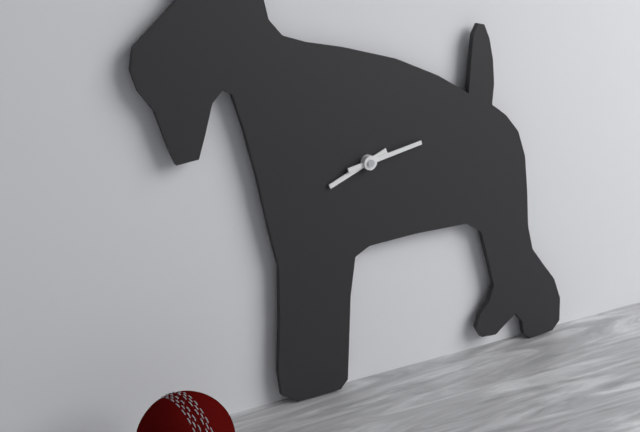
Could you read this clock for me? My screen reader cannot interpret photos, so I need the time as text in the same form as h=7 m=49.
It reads h=8 m=13
